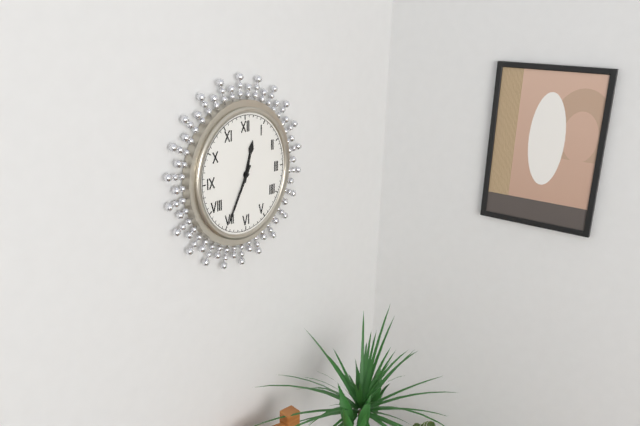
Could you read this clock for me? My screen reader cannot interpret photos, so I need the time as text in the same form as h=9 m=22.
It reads h=12 m=35
